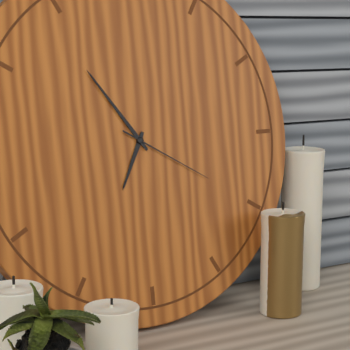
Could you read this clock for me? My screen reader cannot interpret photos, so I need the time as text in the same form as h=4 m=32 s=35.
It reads h=6 m=54 s=20
